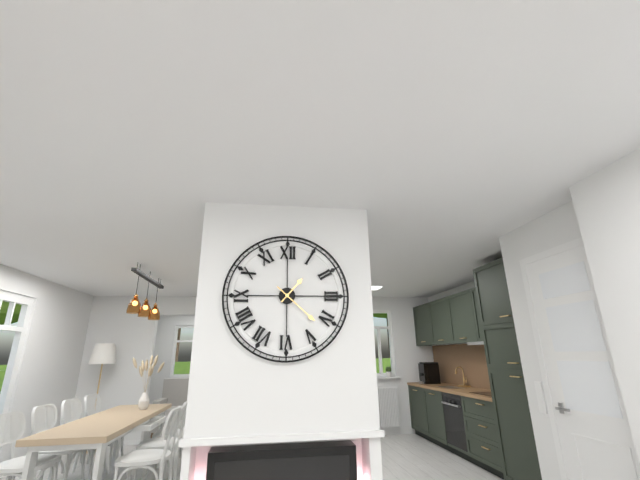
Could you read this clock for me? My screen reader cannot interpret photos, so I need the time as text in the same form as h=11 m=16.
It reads h=1 m=22
